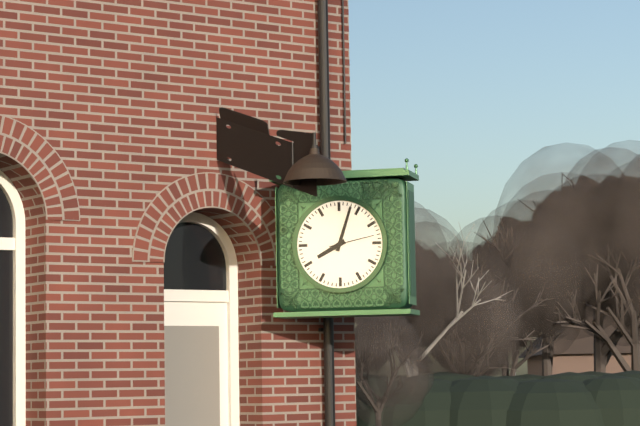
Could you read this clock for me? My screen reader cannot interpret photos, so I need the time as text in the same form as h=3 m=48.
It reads h=8 m=3
